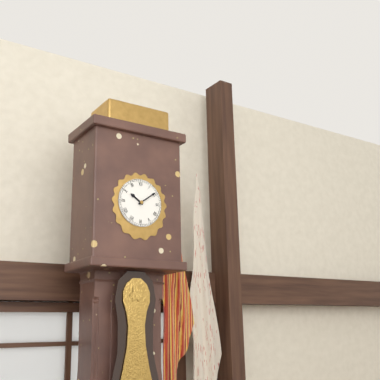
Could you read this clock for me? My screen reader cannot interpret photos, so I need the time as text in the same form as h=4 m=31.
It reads h=10 m=9
